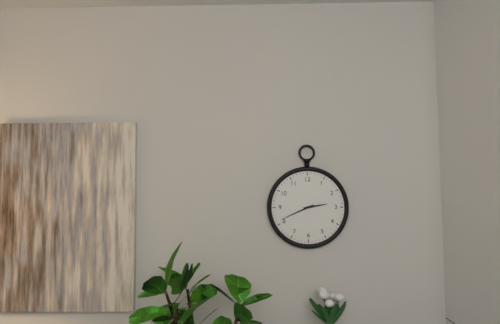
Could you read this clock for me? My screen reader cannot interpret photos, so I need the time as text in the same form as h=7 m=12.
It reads h=2 m=41
